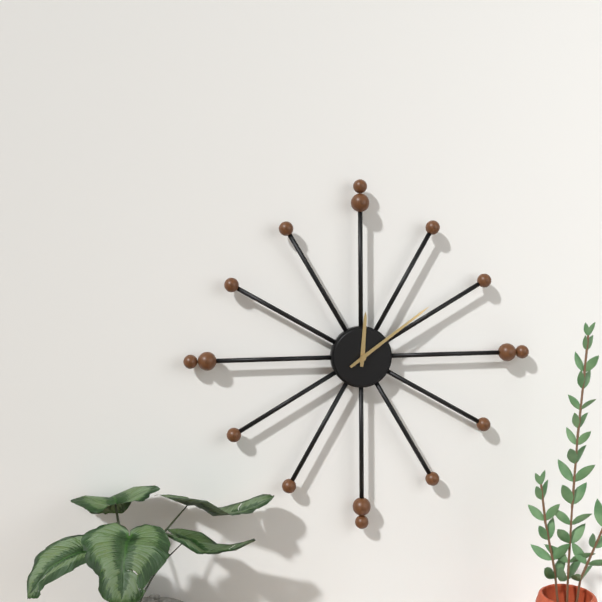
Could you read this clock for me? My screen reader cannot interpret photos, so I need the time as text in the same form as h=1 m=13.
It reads h=12 m=9
